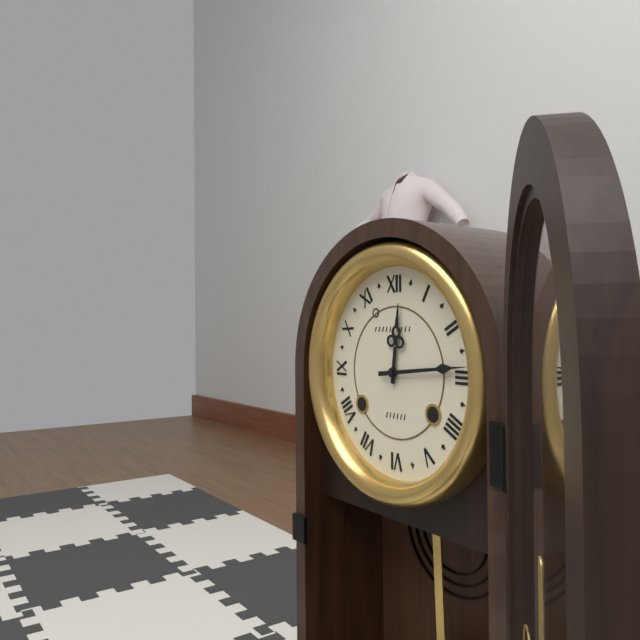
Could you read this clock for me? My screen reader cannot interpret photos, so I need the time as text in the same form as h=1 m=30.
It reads h=12 m=14
